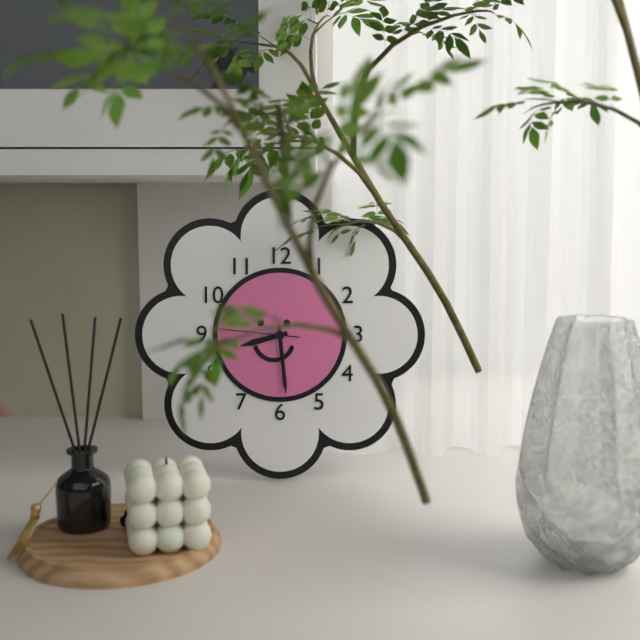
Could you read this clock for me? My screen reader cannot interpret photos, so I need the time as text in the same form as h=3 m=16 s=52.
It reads h=8 m=29 s=46
